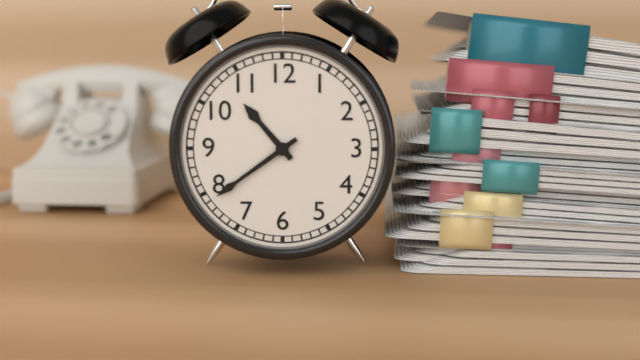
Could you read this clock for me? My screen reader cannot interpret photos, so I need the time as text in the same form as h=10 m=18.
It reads h=10 m=39
